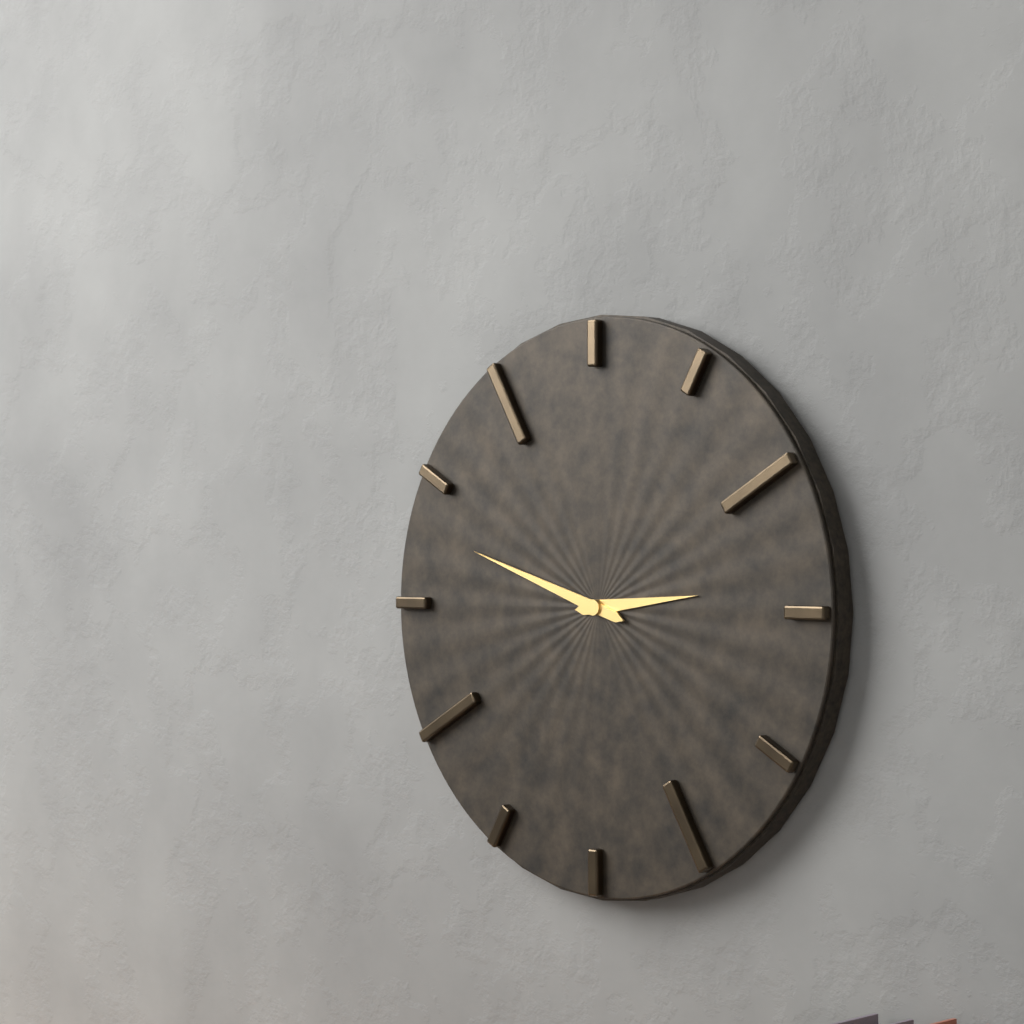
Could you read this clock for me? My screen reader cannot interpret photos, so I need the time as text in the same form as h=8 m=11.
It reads h=2 m=48
